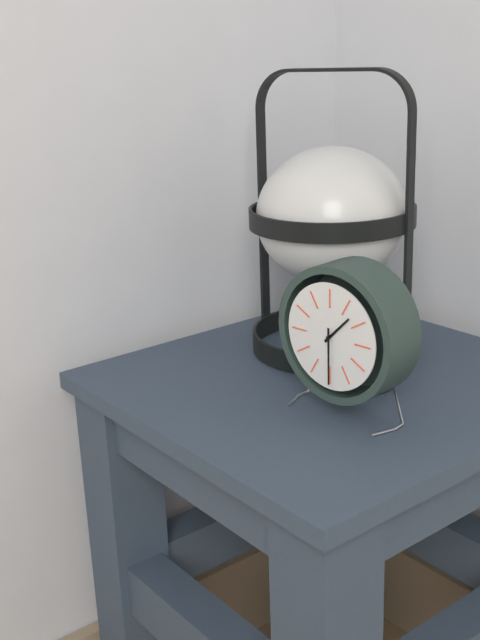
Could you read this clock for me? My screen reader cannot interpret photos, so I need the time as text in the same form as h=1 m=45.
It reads h=1 m=30
